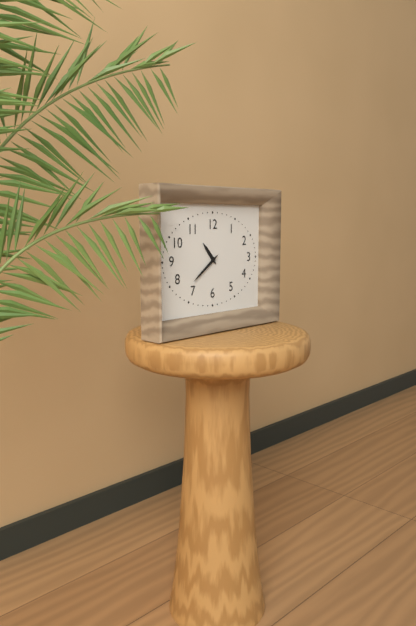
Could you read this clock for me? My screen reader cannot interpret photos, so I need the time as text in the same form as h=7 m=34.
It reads h=10 m=39
